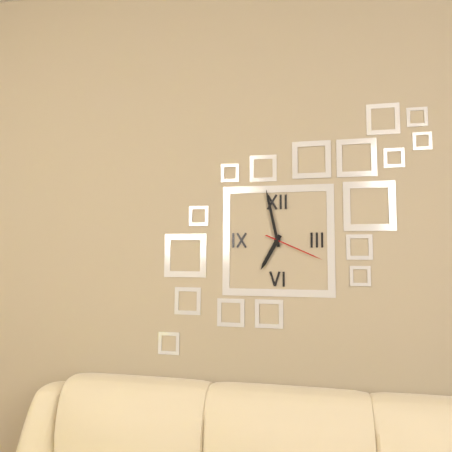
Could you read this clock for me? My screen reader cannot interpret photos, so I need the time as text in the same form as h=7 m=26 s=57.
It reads h=6 m=58 s=19
